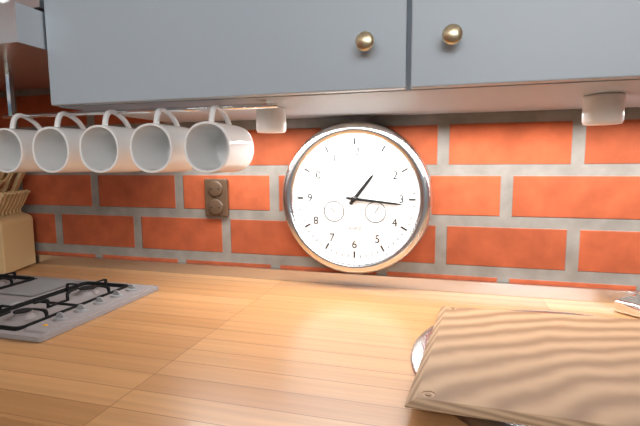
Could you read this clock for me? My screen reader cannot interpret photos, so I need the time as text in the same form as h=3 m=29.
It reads h=1 m=16
